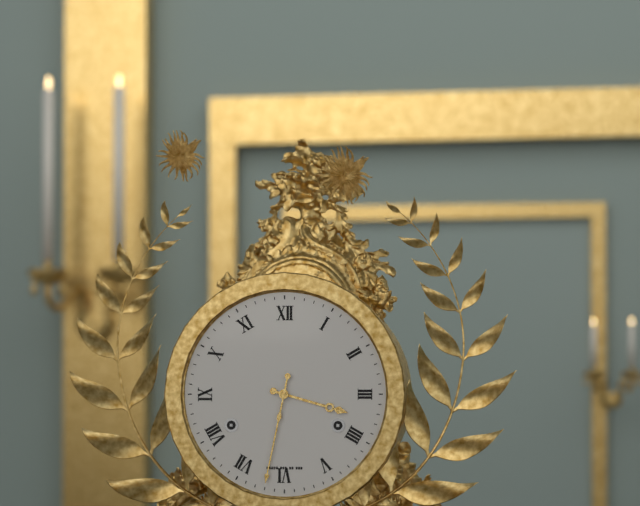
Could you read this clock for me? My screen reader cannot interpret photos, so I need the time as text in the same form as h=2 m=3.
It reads h=3 m=32
